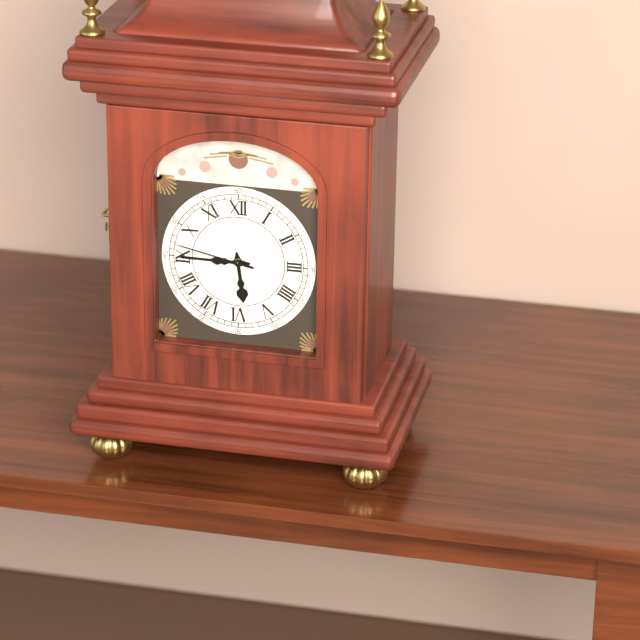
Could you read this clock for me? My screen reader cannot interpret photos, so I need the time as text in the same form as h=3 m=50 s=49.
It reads h=5 m=45 s=47
